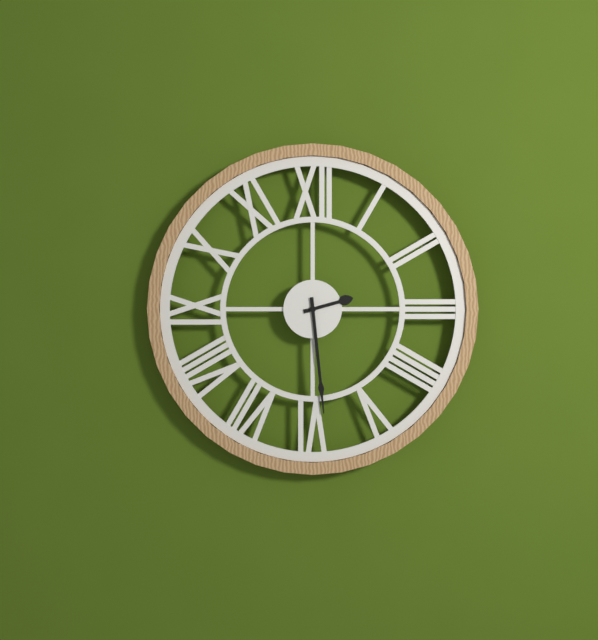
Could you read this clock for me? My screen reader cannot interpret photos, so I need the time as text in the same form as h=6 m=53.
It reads h=2 m=29
